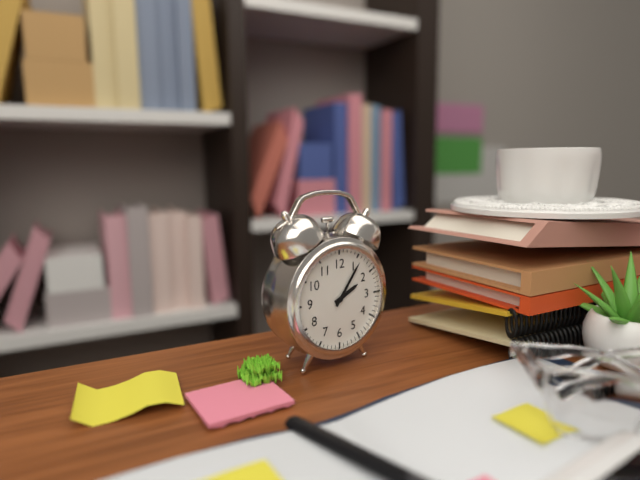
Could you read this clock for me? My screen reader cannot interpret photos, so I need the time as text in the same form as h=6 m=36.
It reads h=2 m=6
